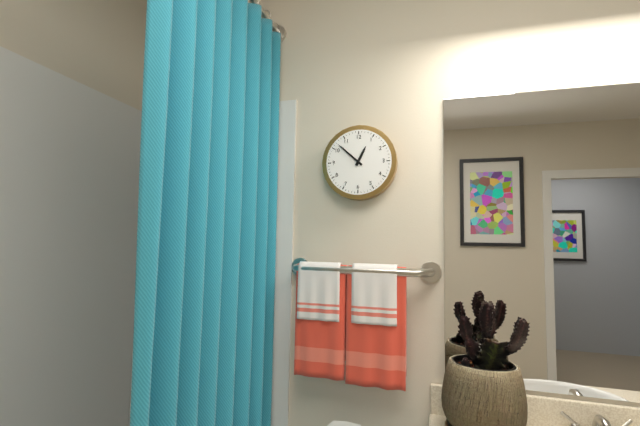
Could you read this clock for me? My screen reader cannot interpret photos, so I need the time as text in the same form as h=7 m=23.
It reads h=12 m=52
